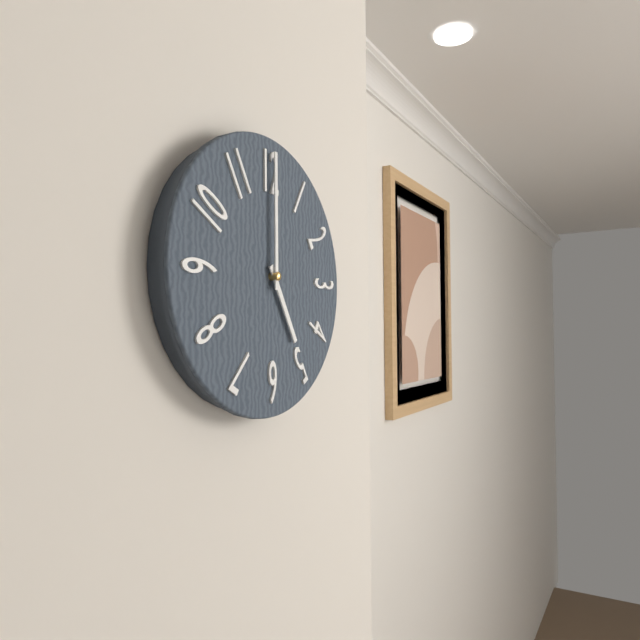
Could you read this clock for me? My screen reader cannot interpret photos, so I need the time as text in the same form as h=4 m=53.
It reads h=5 m=0
